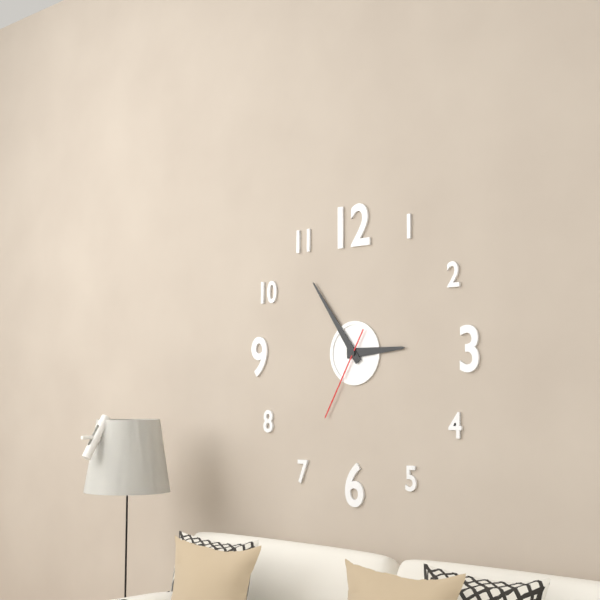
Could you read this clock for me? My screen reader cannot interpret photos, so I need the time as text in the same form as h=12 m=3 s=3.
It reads h=2 m=54 s=35
